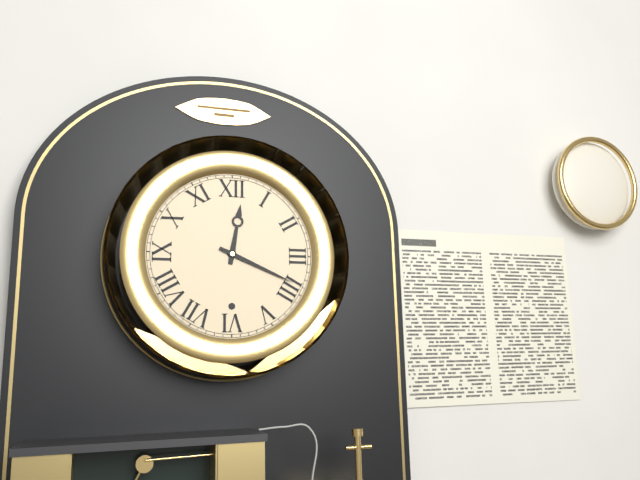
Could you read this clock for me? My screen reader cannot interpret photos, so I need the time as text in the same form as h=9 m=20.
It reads h=12 m=19
